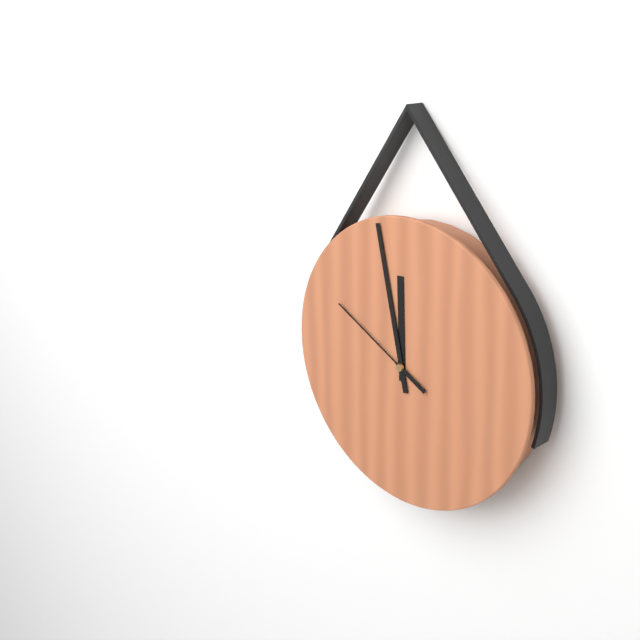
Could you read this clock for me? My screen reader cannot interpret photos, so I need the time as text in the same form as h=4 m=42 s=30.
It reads h=11 m=58 s=50
